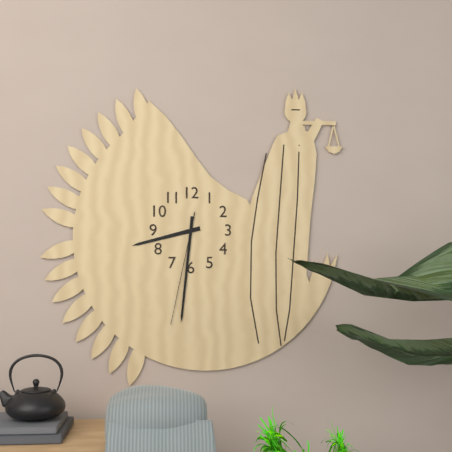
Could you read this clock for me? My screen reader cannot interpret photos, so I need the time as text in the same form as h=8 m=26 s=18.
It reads h=8 m=31 s=32
